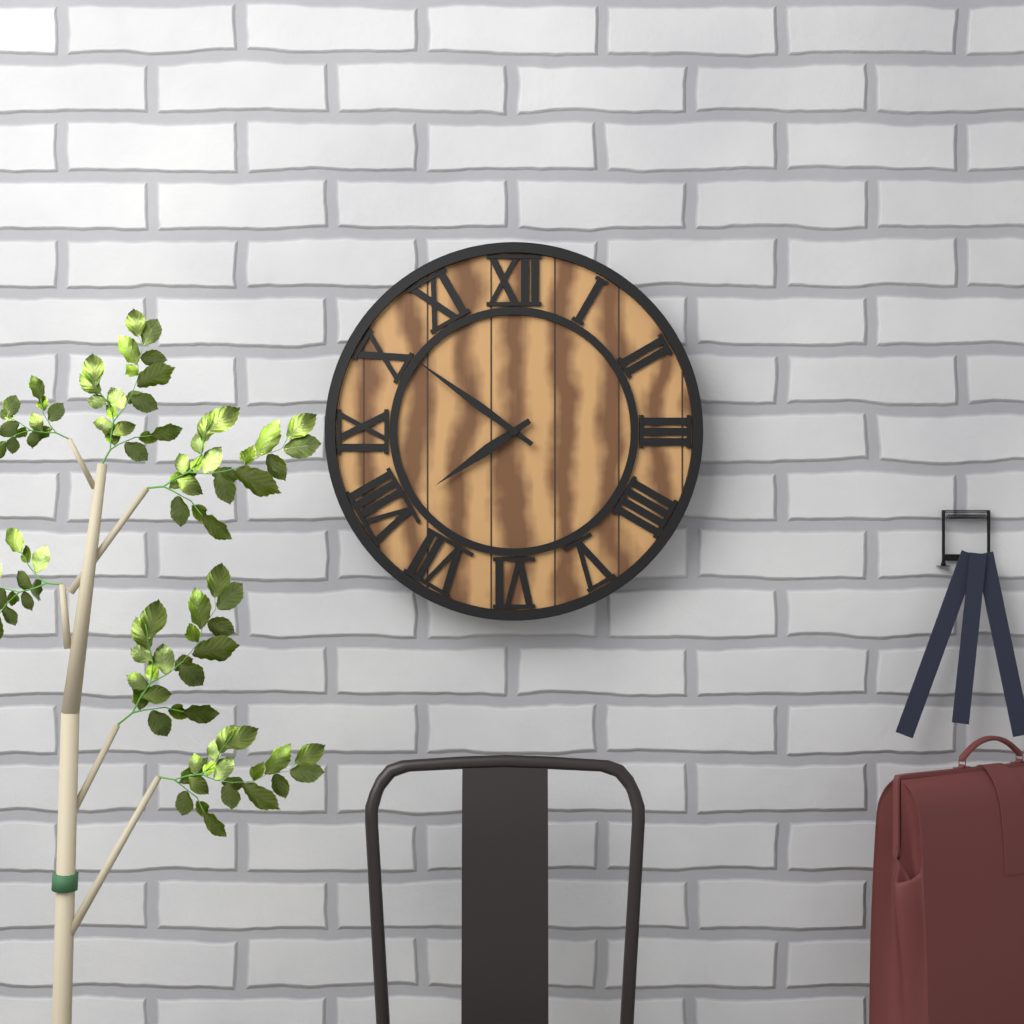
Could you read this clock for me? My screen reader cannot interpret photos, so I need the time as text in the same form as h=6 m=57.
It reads h=7 m=51
